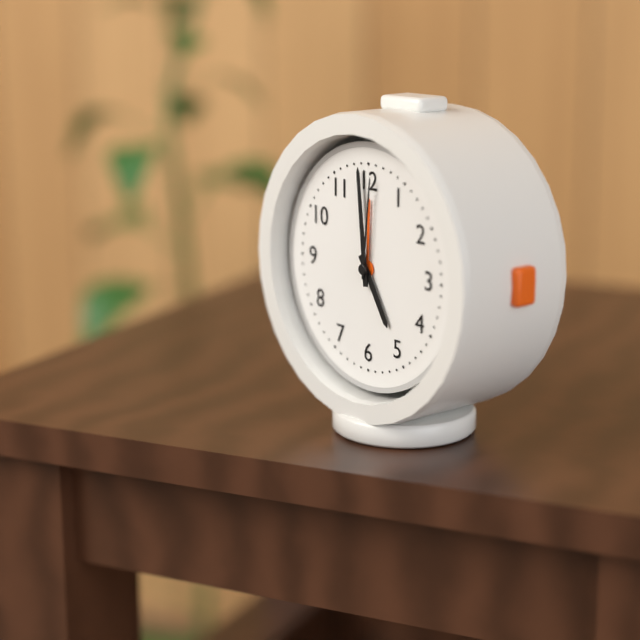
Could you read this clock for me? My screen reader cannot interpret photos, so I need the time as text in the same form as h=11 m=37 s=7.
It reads h=4 m=59 s=1
